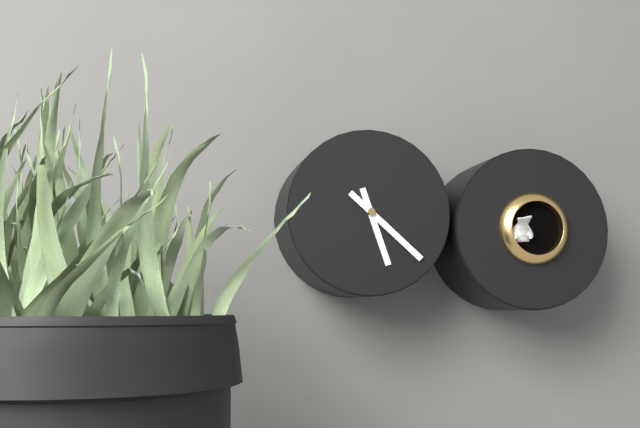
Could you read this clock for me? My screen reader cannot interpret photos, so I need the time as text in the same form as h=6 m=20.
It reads h=5 m=22
